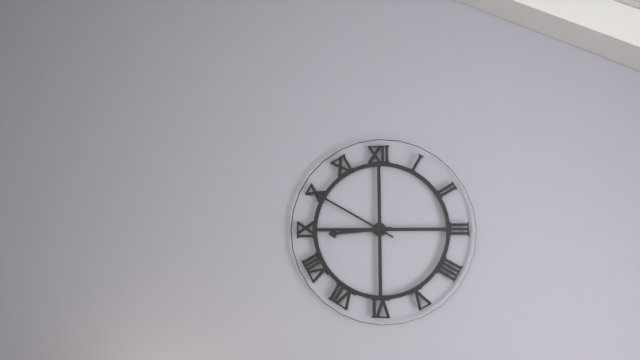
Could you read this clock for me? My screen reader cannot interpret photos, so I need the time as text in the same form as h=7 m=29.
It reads h=8 m=50
